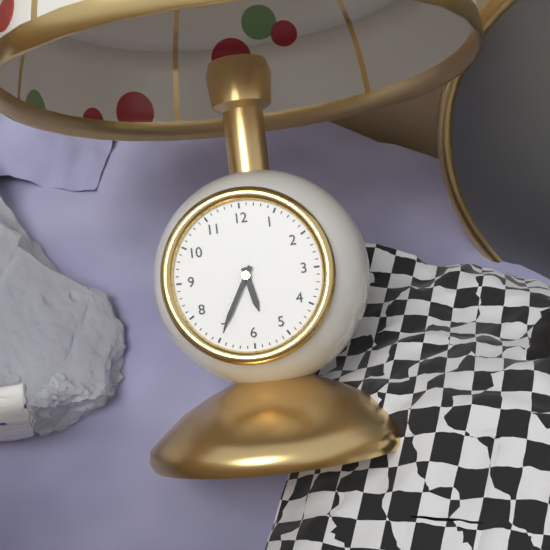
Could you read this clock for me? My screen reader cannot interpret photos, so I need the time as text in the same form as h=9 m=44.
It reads h=5 m=35
